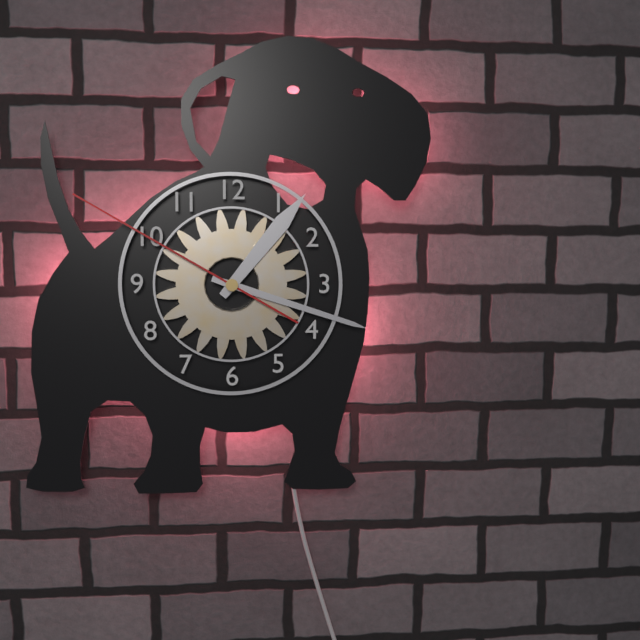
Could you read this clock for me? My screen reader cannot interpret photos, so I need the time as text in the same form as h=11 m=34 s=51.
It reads h=1 m=18 s=50
